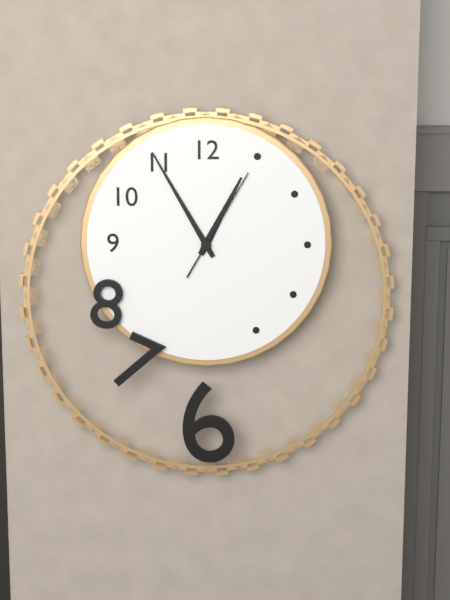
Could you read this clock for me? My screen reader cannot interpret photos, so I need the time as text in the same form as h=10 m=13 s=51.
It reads h=12 m=55 s=5
